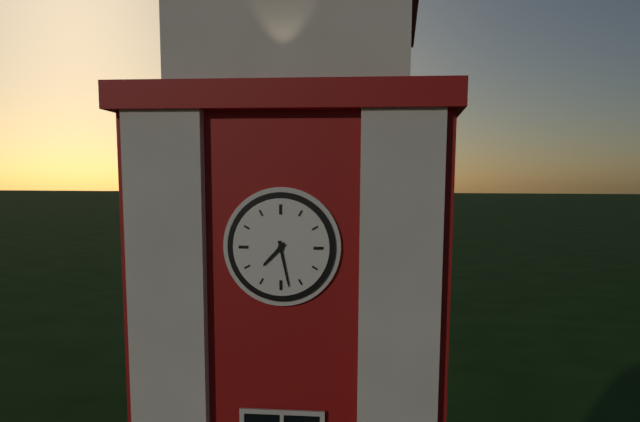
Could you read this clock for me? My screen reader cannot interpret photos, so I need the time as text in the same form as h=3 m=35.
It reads h=7 m=28
